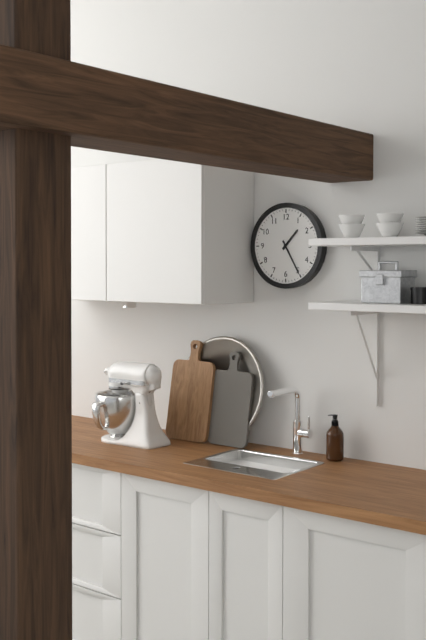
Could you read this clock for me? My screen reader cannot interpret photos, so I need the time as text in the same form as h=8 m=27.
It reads h=1 m=25
